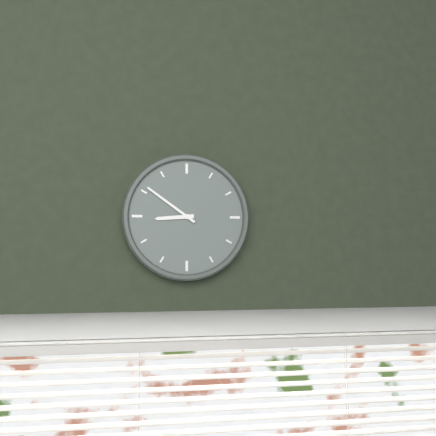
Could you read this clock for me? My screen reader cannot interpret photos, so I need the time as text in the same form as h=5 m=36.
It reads h=8 m=51
